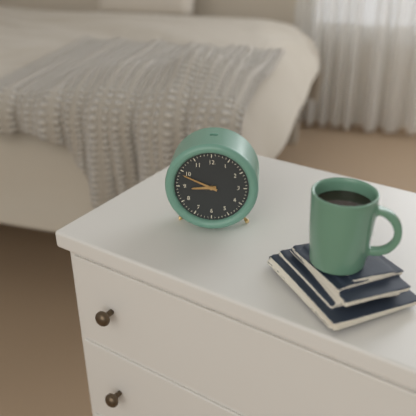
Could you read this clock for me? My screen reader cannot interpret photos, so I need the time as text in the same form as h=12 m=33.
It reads h=8 m=49
